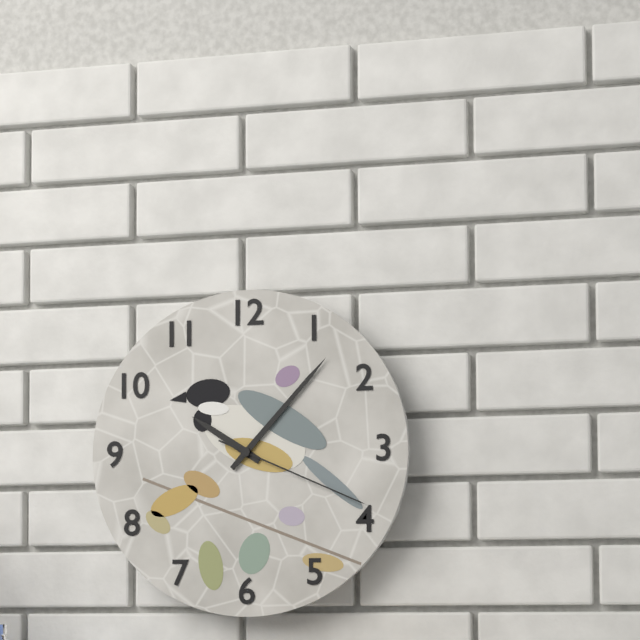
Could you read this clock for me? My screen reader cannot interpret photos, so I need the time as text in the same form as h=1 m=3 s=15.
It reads h=10 m=7 s=19
